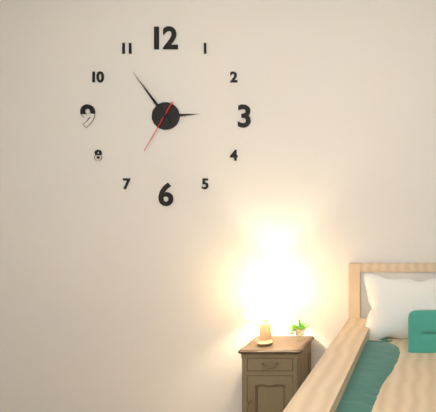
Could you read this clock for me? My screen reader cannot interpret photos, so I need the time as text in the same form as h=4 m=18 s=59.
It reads h=2 m=54 s=35
